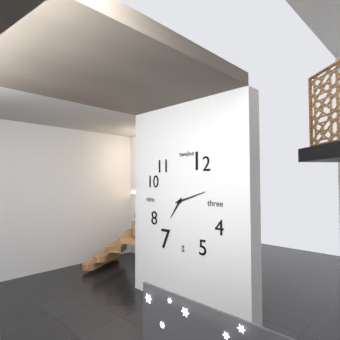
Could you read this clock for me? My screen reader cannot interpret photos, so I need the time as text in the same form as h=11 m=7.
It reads h=7 m=12
